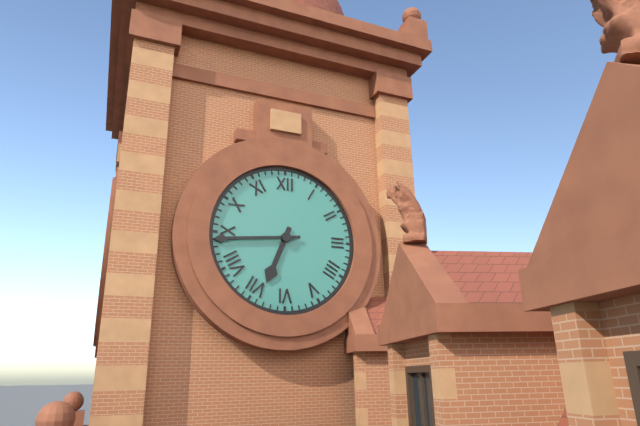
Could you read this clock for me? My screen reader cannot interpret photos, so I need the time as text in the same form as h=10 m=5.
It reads h=6 m=44
